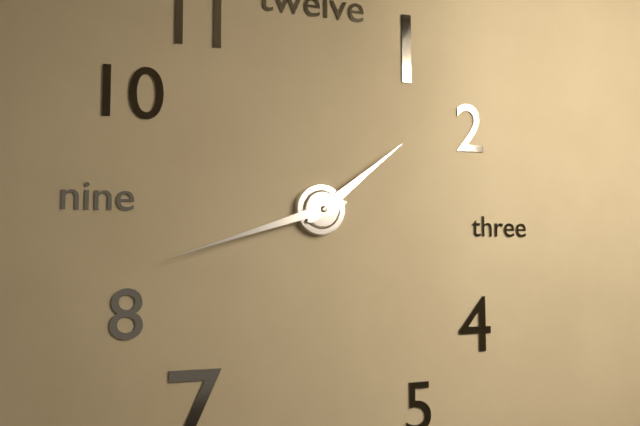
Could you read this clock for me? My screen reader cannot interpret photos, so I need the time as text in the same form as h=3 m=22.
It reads h=1 m=42
